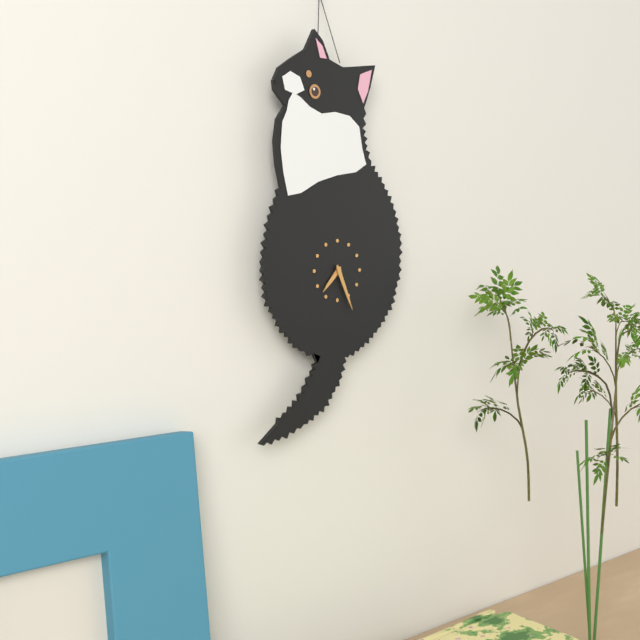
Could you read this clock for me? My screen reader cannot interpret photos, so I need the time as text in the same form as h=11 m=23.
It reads h=7 m=26
